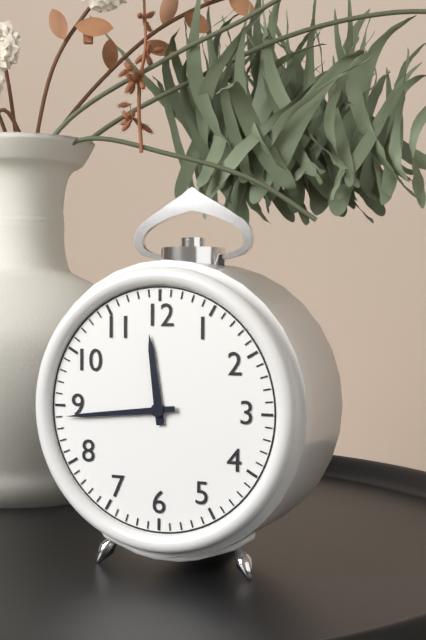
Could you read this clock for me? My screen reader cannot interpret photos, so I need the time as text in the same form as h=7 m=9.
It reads h=11 m=44
